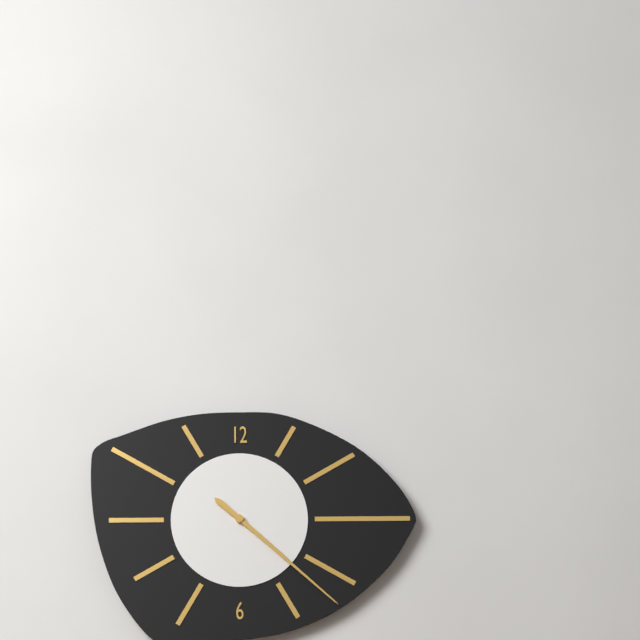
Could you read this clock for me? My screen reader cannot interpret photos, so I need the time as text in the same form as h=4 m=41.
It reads h=4 m=22
